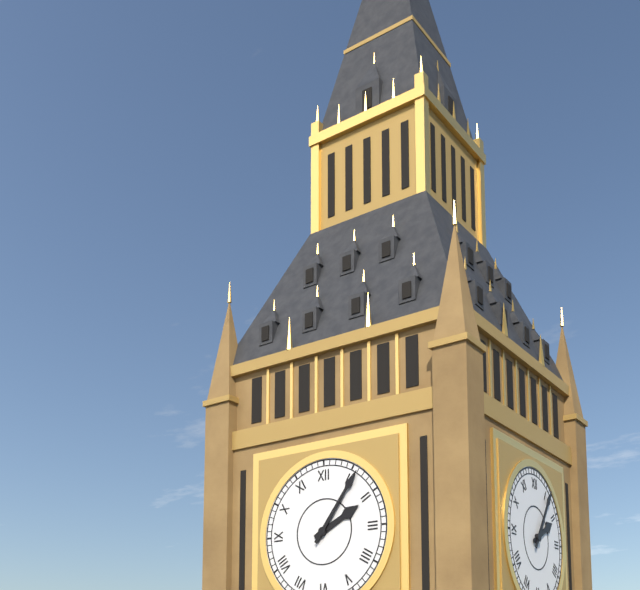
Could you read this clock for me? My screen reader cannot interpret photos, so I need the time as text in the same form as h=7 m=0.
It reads h=2 m=6
